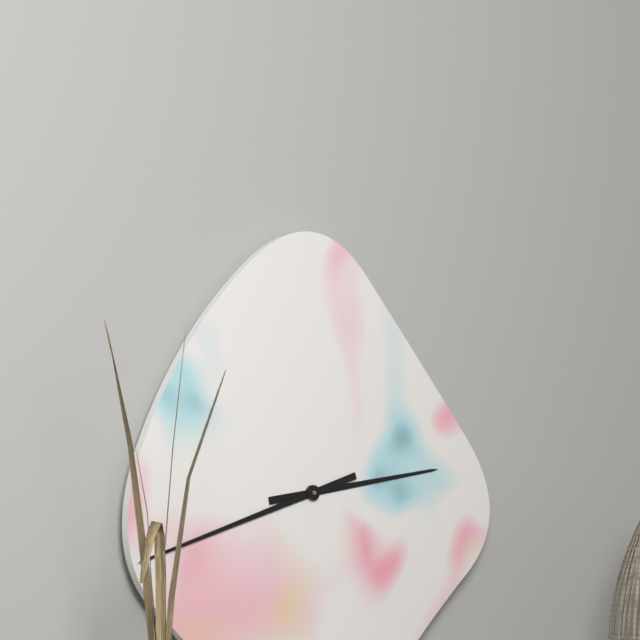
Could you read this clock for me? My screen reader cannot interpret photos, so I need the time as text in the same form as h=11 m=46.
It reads h=2 m=42
